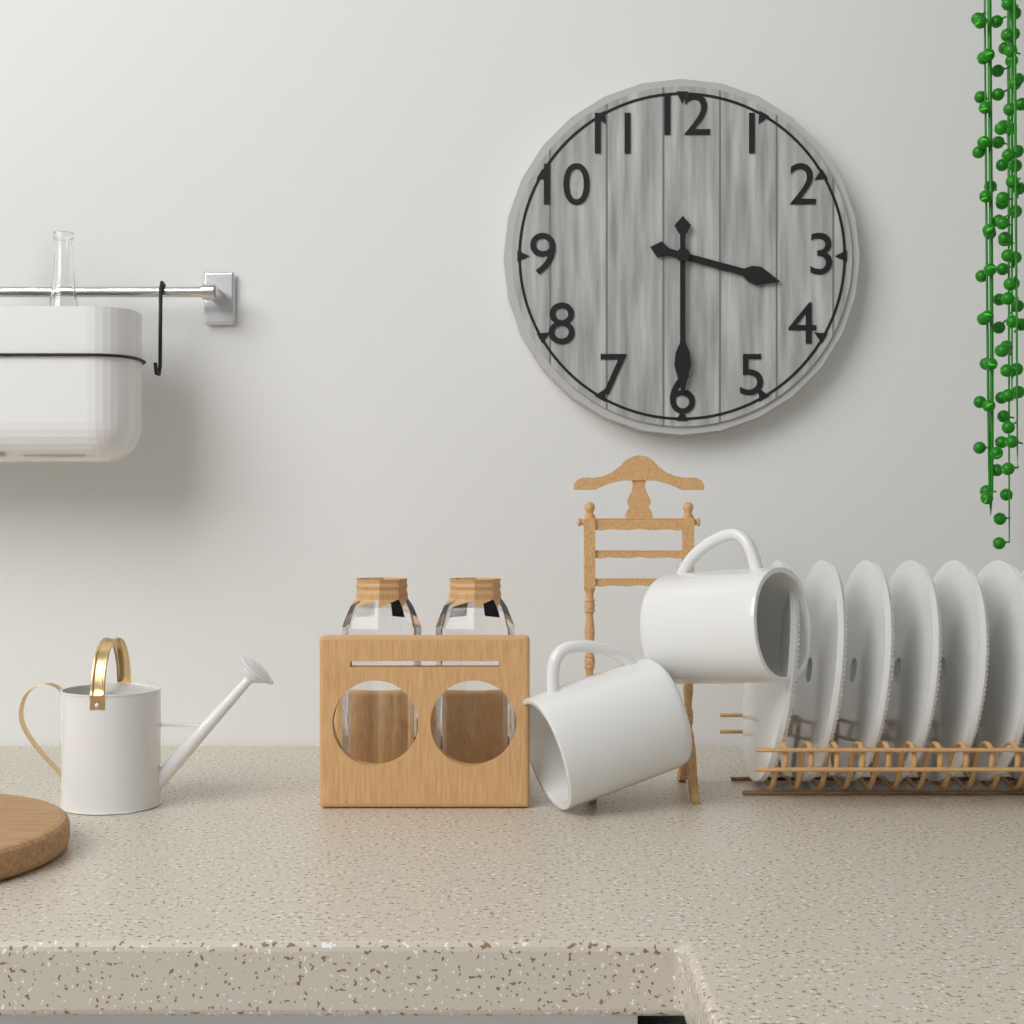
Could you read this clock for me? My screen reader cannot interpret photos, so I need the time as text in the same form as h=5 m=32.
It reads h=3 m=30
